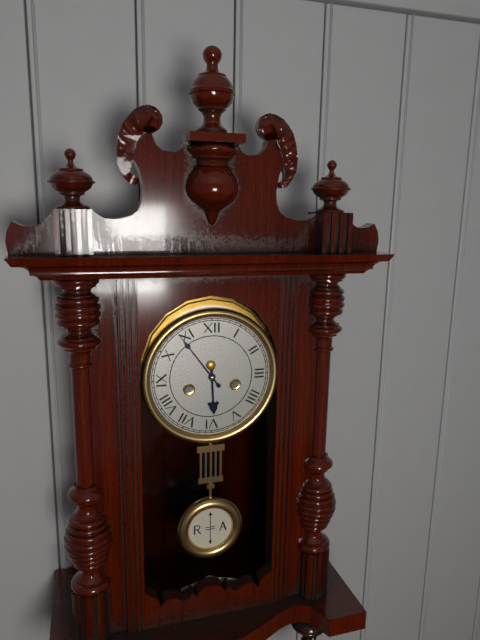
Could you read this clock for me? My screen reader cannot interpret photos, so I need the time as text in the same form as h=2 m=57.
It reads h=5 m=54
